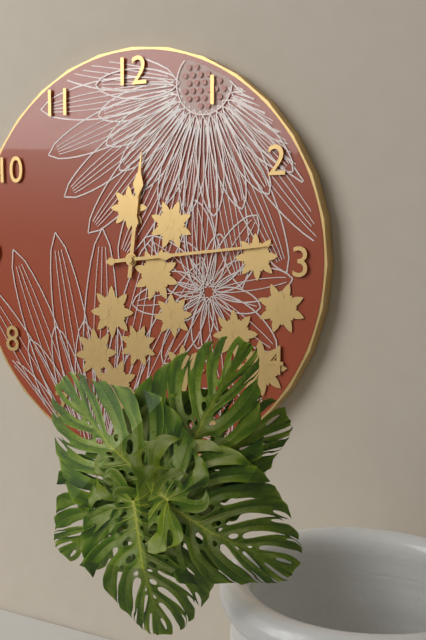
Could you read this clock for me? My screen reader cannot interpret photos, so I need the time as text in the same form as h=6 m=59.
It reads h=12 m=14
